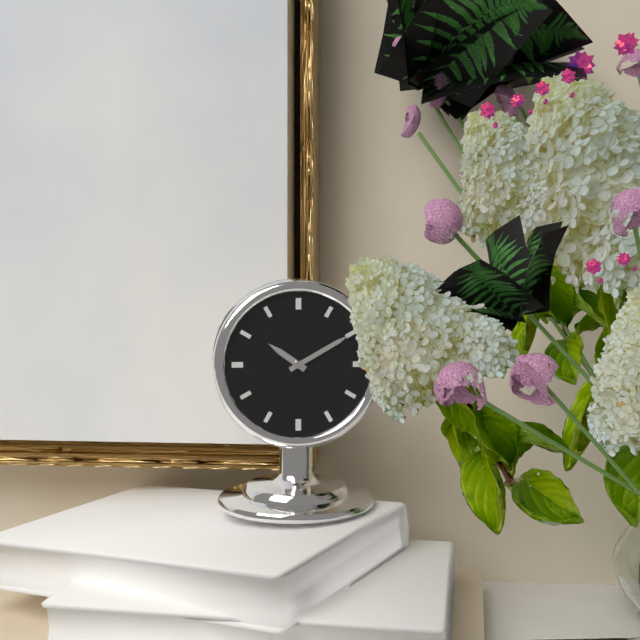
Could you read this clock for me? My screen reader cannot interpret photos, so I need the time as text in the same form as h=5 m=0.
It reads h=10 m=10
